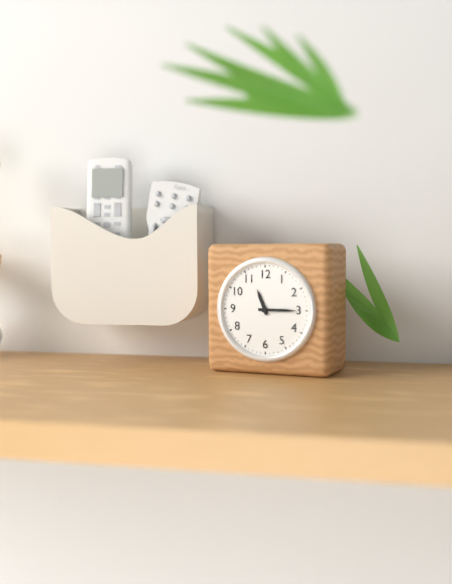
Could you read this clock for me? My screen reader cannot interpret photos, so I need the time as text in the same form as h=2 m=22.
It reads h=11 m=15
